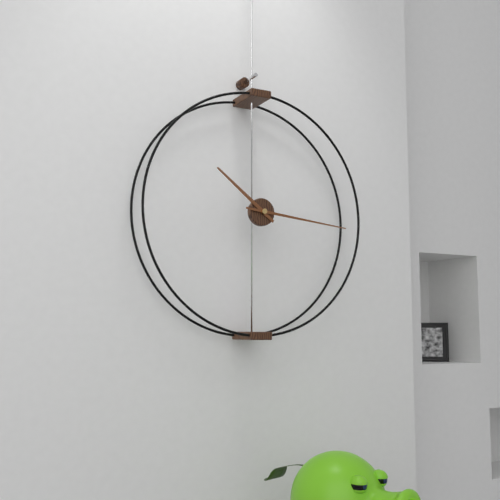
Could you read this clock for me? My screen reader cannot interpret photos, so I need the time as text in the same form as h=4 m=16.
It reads h=10 m=16
